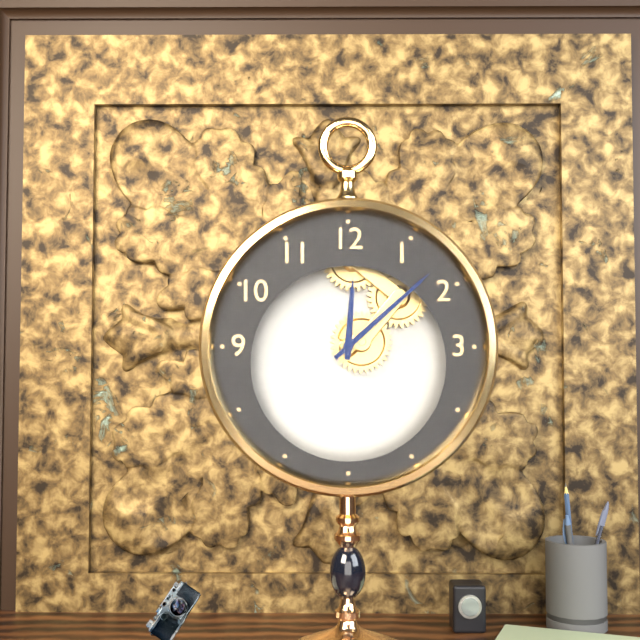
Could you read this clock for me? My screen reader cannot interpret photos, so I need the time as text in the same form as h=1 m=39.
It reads h=12 m=8
